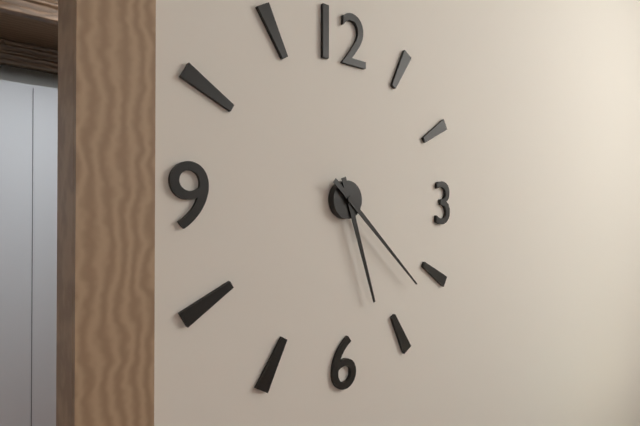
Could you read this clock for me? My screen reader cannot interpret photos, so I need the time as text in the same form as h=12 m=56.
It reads h=5 m=22
